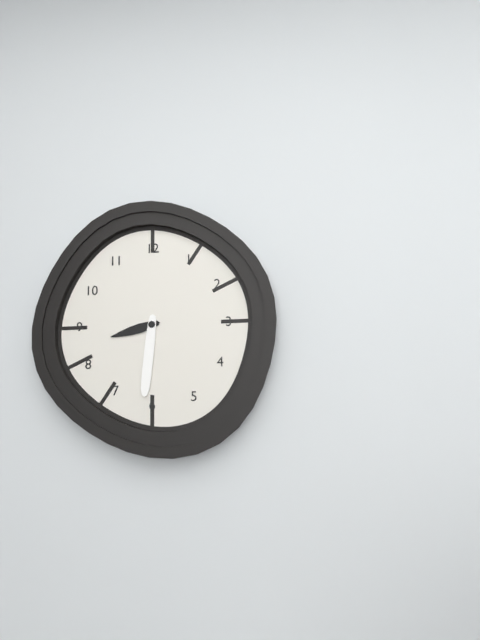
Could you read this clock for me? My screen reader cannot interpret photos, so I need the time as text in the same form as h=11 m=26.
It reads h=8 m=31
